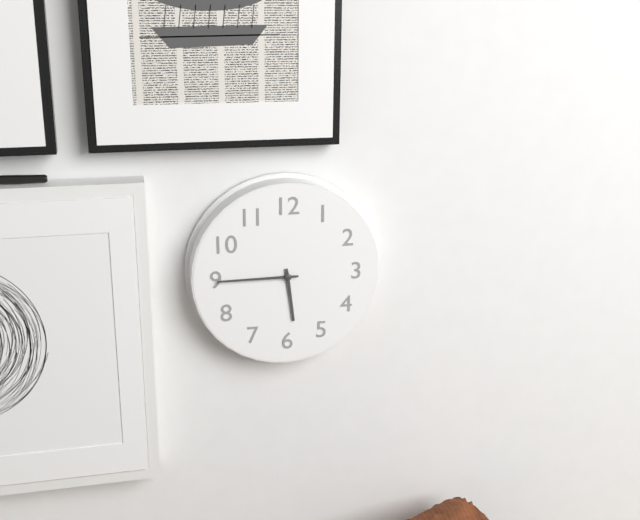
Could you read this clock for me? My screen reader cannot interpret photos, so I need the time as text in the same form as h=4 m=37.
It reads h=5 m=45
